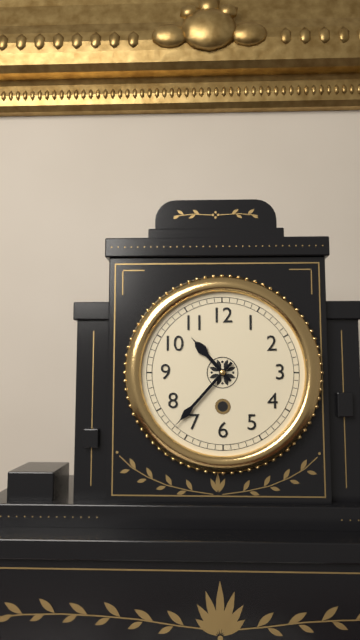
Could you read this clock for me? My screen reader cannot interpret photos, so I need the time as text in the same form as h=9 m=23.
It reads h=10 m=37
